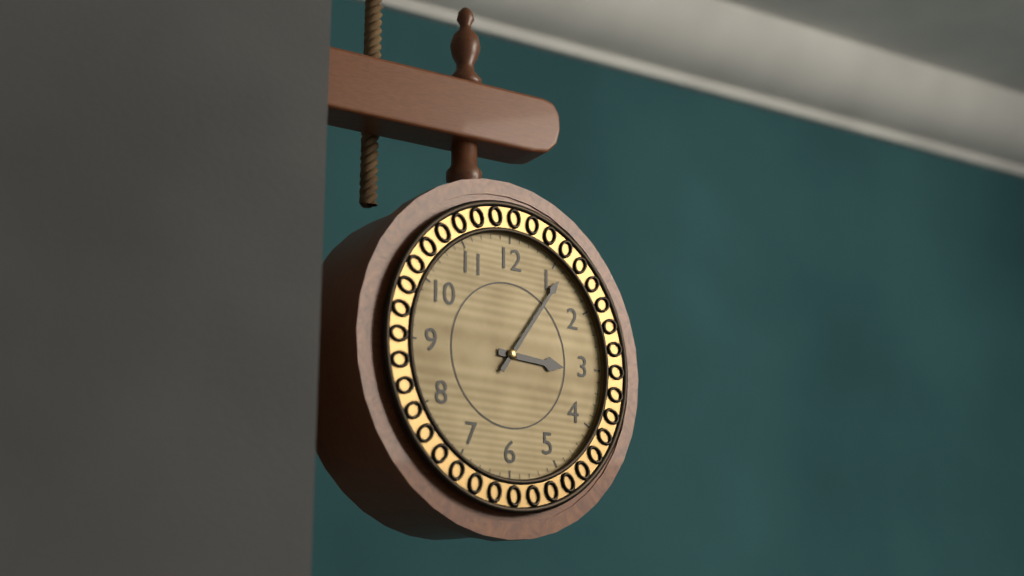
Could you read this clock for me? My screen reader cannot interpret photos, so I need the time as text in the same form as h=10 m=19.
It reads h=3 m=6
